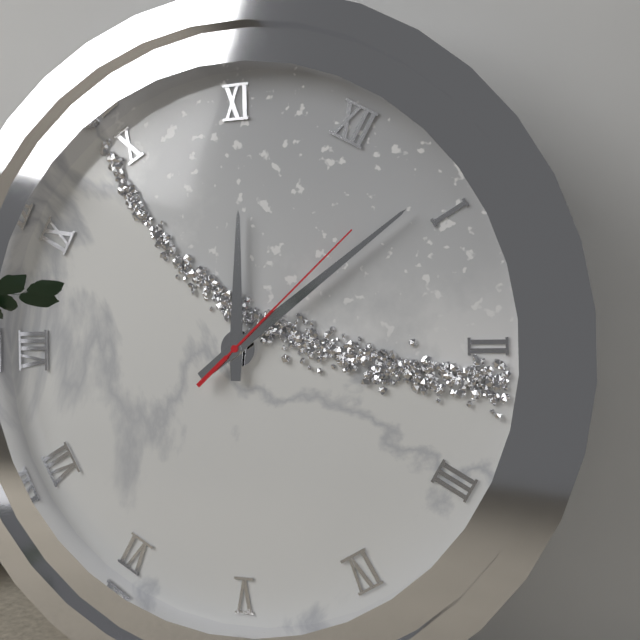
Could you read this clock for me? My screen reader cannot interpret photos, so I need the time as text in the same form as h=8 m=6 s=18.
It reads h=11 m=4 s=3
